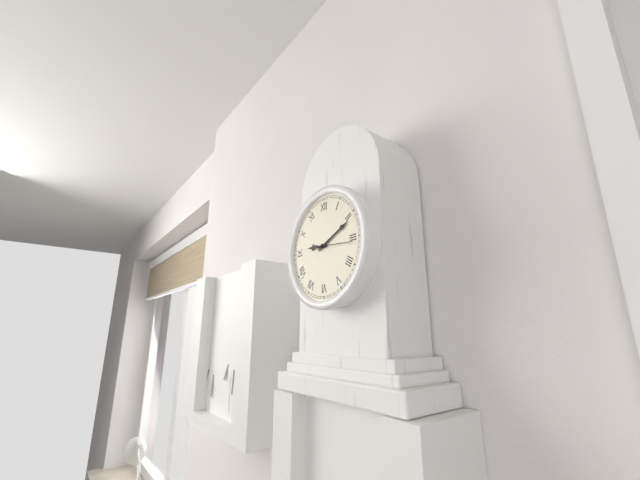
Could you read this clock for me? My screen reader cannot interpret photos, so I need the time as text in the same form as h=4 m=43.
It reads h=9 m=11
